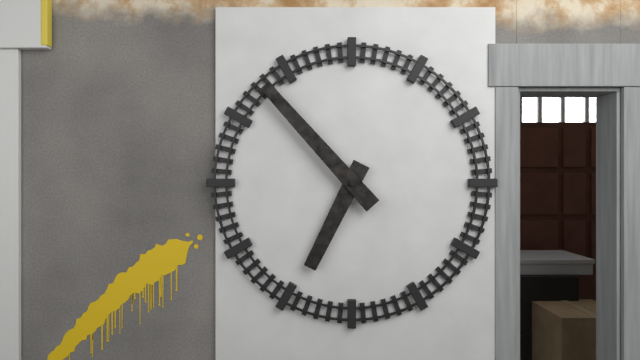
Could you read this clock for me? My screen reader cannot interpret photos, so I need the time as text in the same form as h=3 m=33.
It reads h=6 m=53
